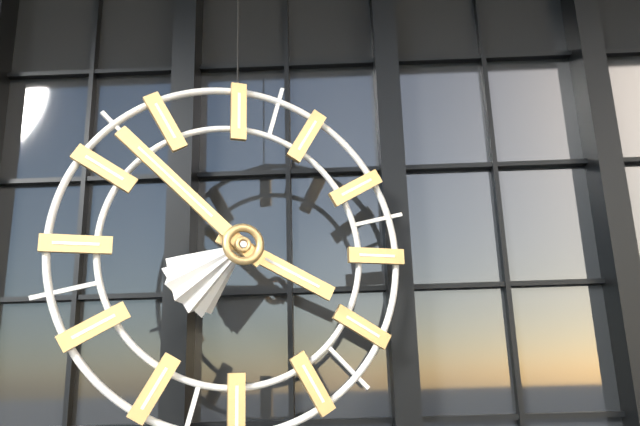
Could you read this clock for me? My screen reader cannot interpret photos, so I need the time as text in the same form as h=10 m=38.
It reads h=3 m=52
